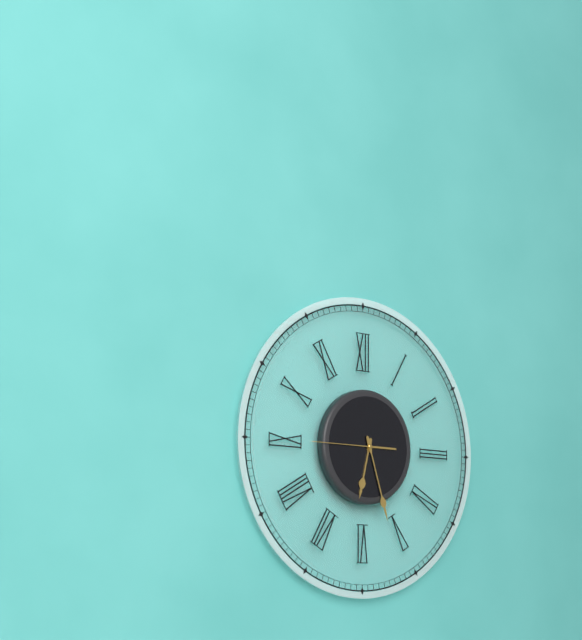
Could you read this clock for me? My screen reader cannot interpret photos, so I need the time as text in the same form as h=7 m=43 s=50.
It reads h=6 m=27 s=45
